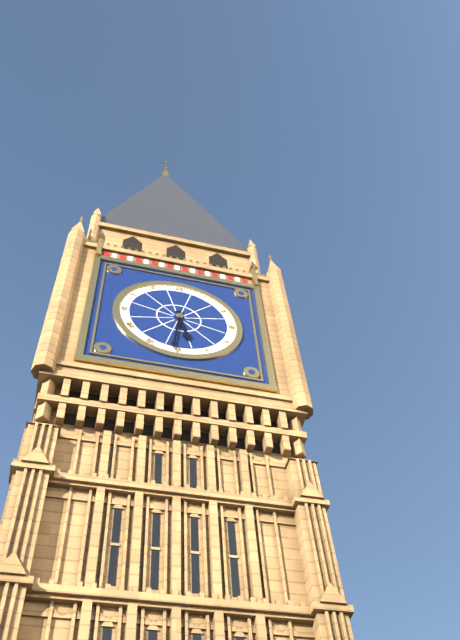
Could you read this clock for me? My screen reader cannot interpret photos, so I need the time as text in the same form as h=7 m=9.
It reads h=5 m=31
